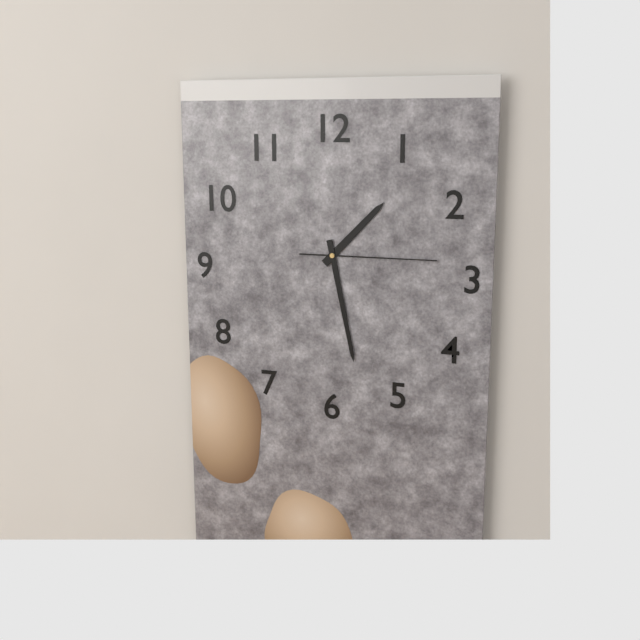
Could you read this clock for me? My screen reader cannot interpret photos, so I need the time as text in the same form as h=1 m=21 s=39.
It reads h=1 m=28 s=15
